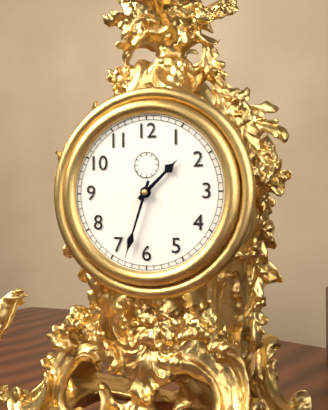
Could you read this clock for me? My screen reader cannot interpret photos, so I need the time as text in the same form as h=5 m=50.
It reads h=1 m=33
